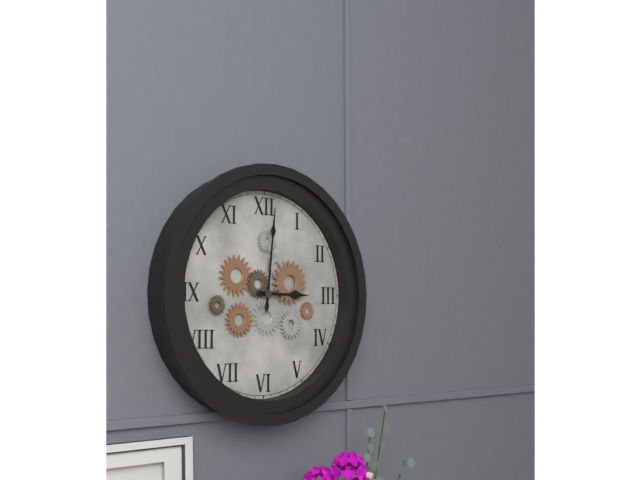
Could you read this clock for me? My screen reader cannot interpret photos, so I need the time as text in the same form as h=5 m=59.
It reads h=3 m=1
